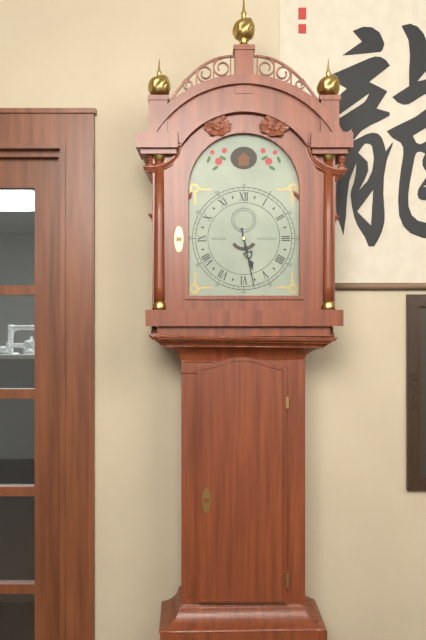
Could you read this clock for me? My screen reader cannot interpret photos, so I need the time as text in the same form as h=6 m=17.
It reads h=5 m=28
